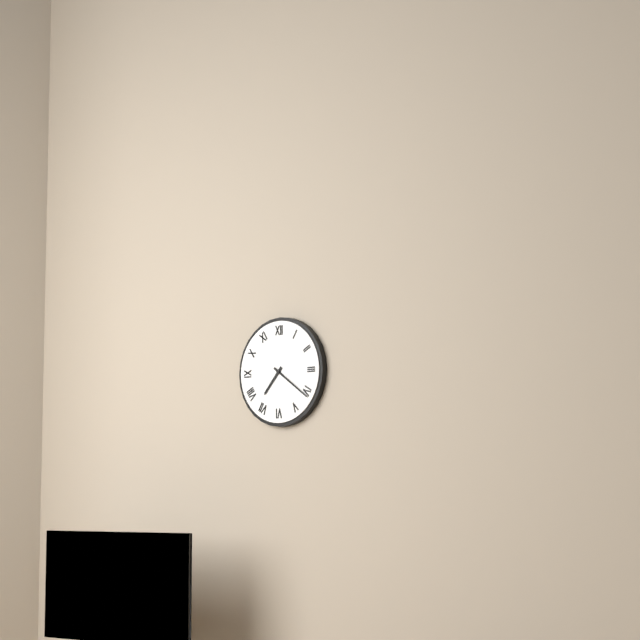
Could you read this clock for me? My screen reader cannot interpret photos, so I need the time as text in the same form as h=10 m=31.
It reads h=7 m=21
